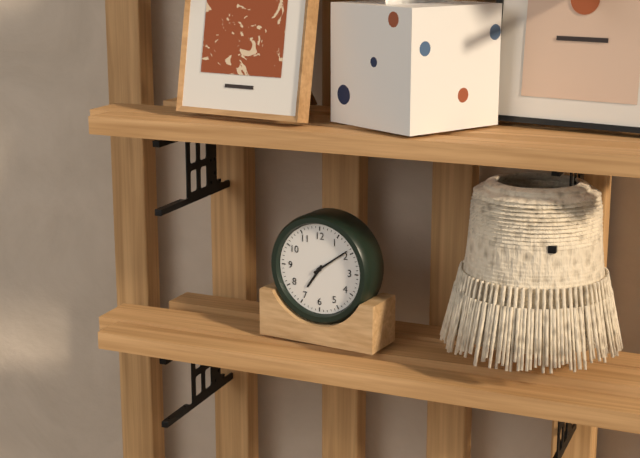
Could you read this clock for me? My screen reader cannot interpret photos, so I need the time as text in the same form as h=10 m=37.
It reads h=7 m=9
